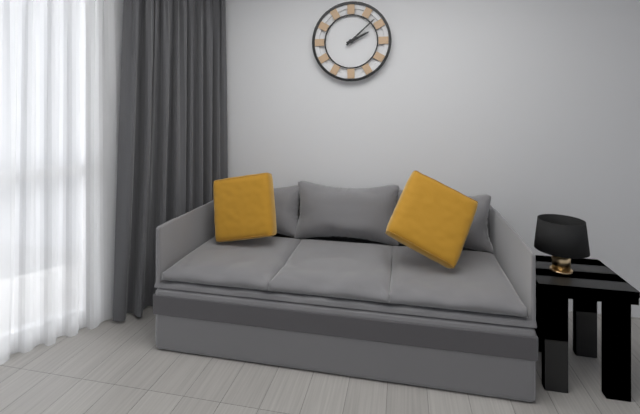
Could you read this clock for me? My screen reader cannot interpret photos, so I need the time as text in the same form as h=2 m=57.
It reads h=2 m=8
